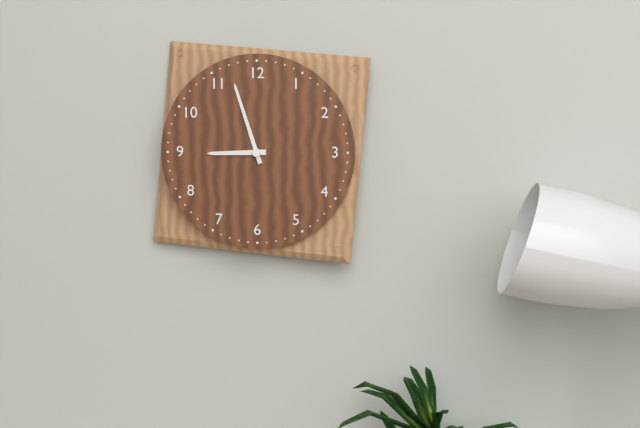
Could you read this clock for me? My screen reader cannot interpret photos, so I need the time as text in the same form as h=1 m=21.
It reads h=8 m=57
